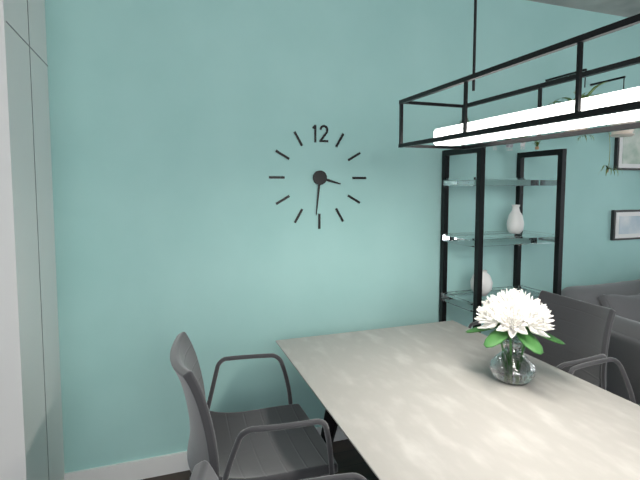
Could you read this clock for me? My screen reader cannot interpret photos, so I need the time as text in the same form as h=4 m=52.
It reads h=3 m=31
